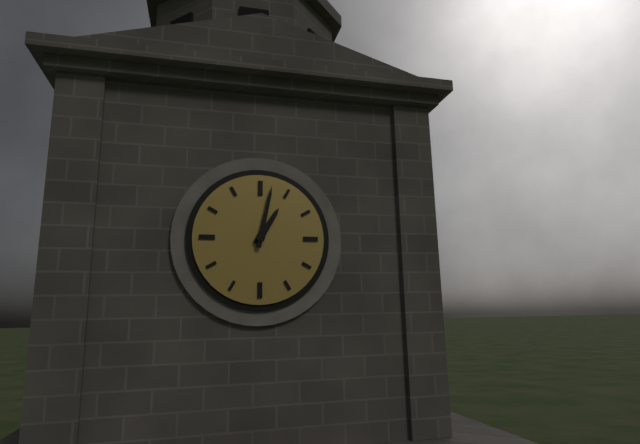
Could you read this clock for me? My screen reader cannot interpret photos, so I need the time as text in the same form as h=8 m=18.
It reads h=1 m=2
